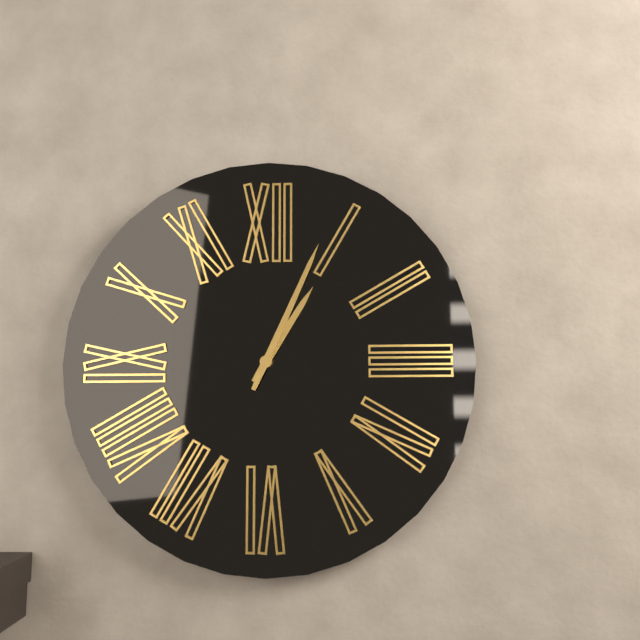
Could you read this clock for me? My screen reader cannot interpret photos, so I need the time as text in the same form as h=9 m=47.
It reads h=1 m=4
